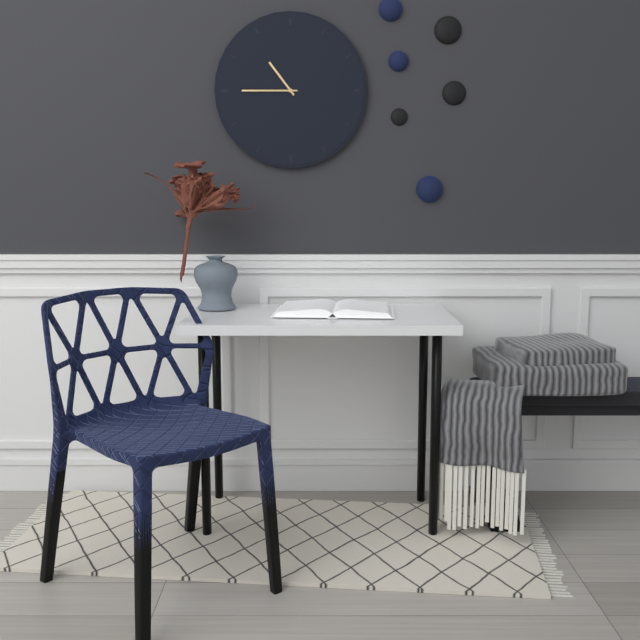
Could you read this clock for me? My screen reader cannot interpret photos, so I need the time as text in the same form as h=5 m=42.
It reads h=10 m=45
